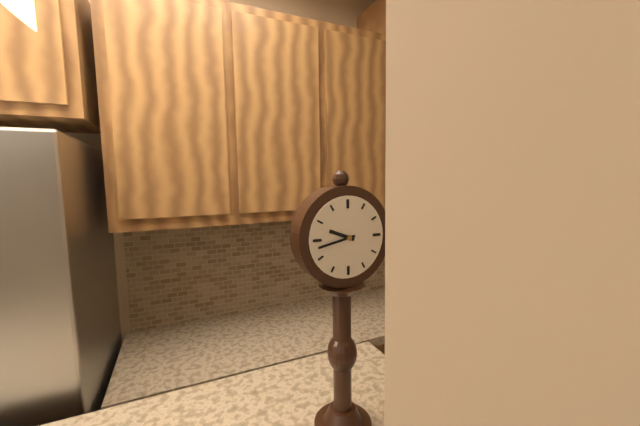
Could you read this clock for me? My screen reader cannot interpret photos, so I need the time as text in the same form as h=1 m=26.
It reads h=9 m=43
